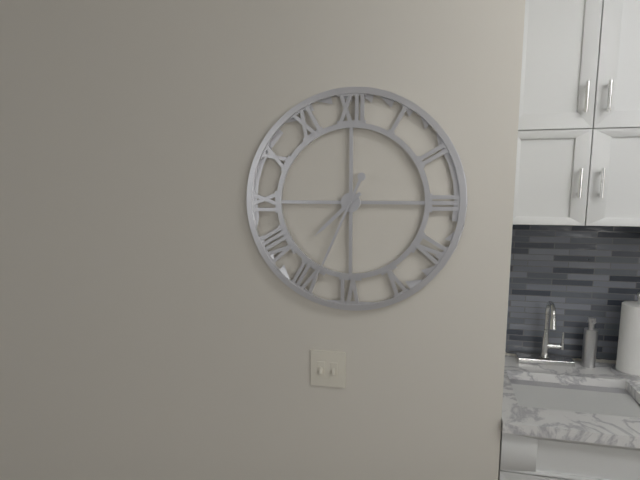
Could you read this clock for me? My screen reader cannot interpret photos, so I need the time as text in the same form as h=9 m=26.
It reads h=7 m=34
